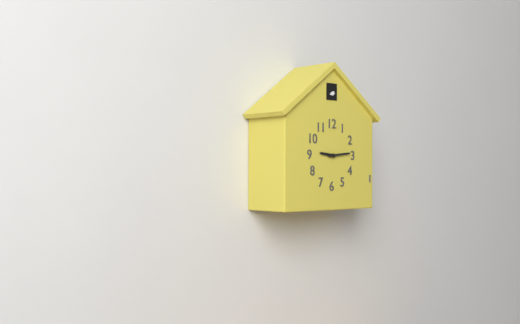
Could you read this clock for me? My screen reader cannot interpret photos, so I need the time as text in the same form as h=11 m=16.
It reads h=9 m=14
